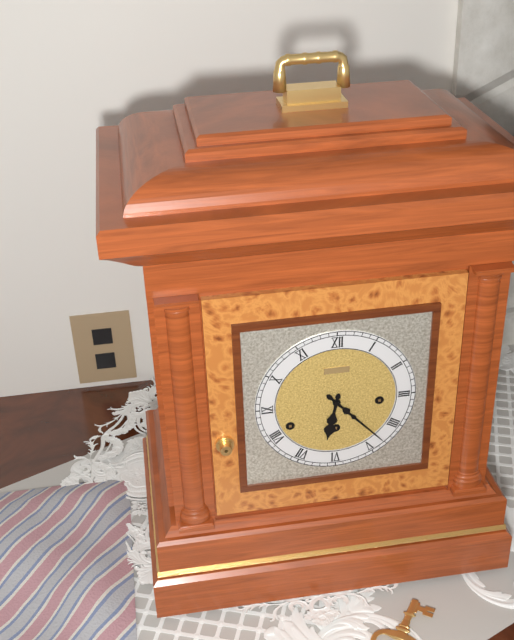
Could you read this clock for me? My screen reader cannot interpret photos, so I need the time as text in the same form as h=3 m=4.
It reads h=6 m=23
